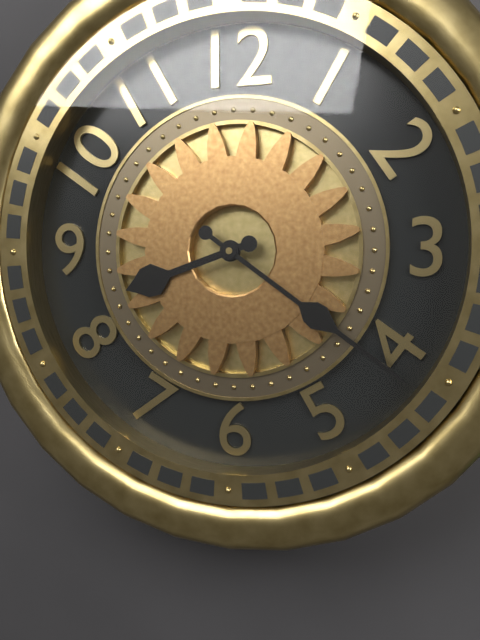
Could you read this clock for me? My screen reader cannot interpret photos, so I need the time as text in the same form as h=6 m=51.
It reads h=8 m=21
